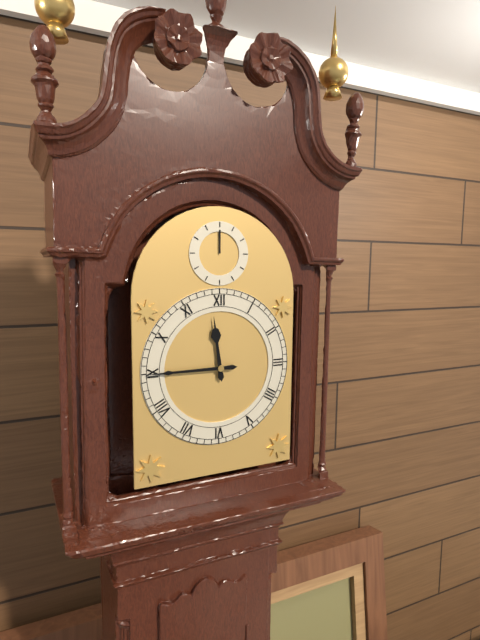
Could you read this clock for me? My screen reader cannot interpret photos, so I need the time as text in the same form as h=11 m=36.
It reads h=11 m=45
